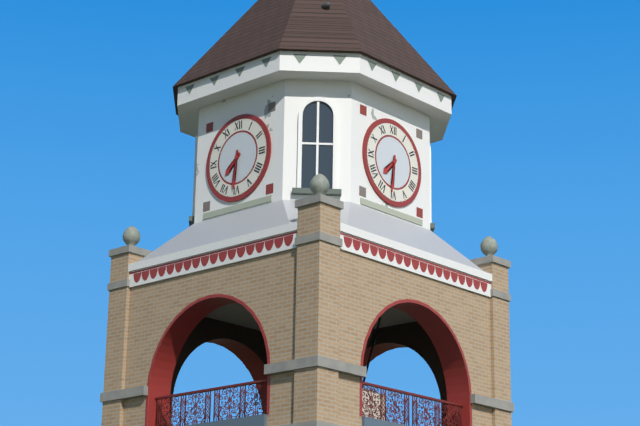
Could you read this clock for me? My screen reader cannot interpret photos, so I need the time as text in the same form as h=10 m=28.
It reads h=7 m=31
